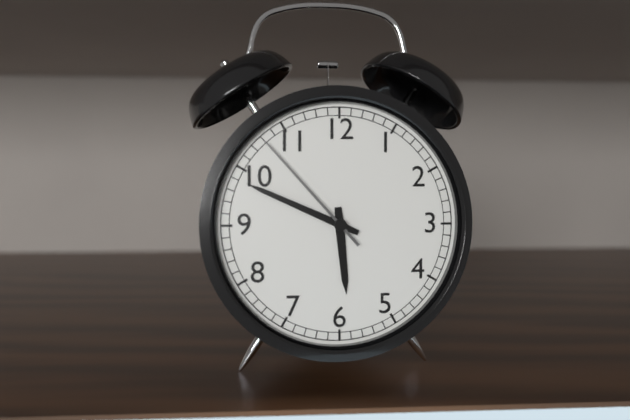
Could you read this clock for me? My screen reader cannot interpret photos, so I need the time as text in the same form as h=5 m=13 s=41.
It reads h=5 m=49 s=53
